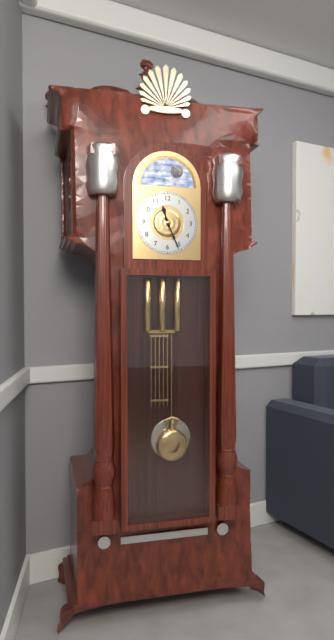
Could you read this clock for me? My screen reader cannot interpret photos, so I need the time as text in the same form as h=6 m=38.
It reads h=11 m=26
